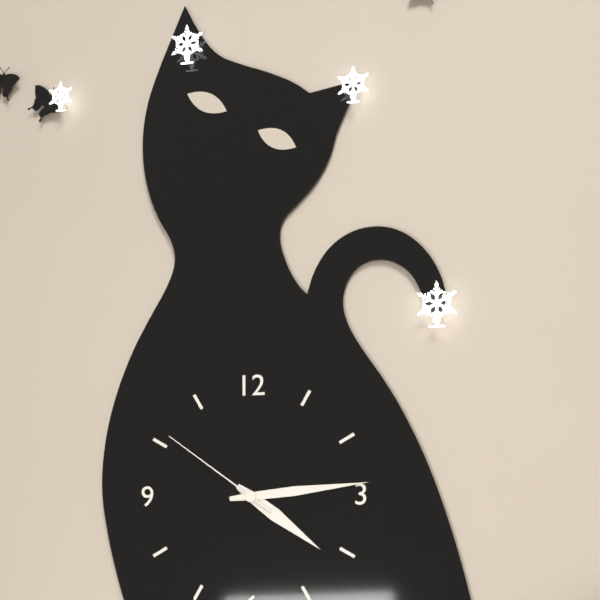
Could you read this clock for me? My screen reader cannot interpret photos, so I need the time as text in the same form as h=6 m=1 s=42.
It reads h=4 m=14 s=51
